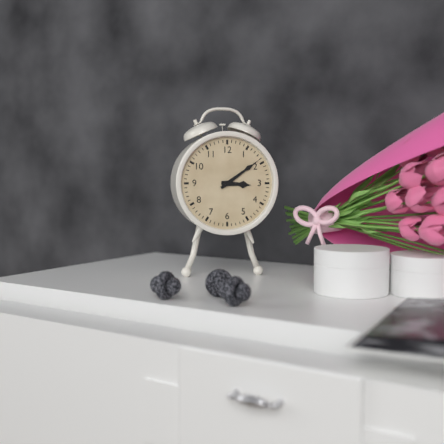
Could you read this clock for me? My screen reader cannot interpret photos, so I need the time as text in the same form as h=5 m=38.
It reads h=3 m=9
